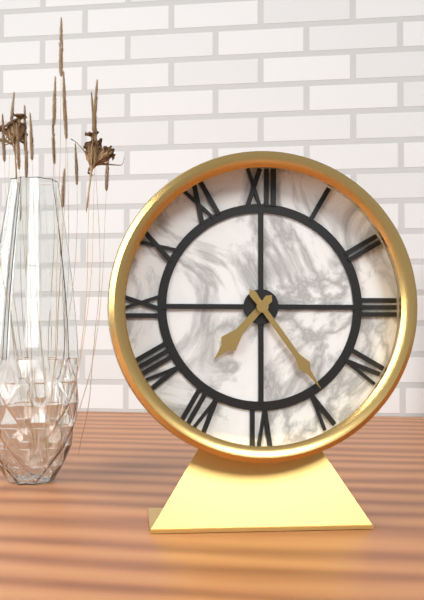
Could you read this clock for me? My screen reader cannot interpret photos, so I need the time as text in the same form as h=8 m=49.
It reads h=7 m=24
